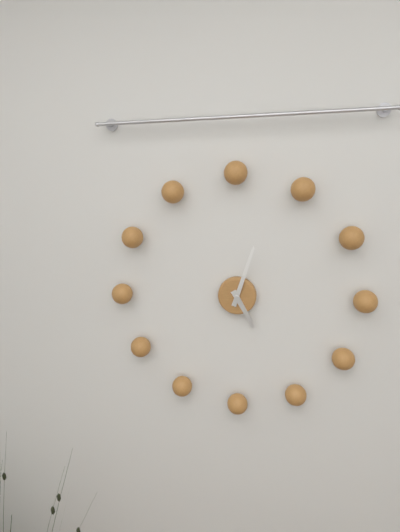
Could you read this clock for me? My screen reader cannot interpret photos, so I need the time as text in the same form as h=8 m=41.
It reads h=5 m=3
